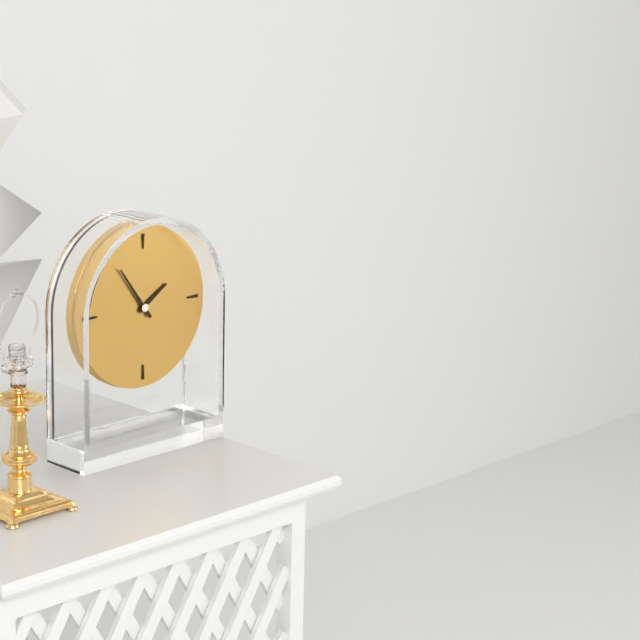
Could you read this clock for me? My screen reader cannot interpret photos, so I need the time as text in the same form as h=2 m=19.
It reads h=1 m=54
